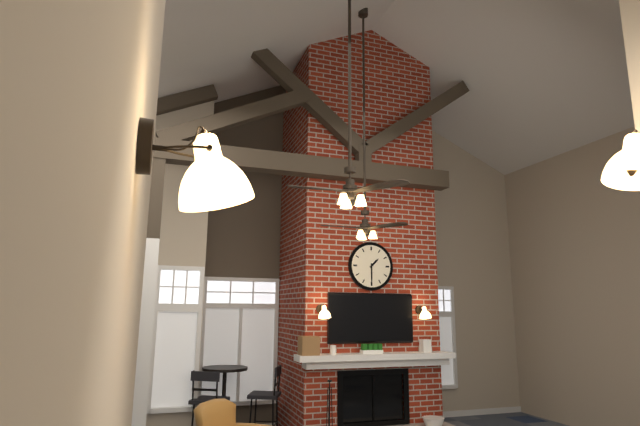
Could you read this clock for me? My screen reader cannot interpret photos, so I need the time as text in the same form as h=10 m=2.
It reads h=1 m=30
